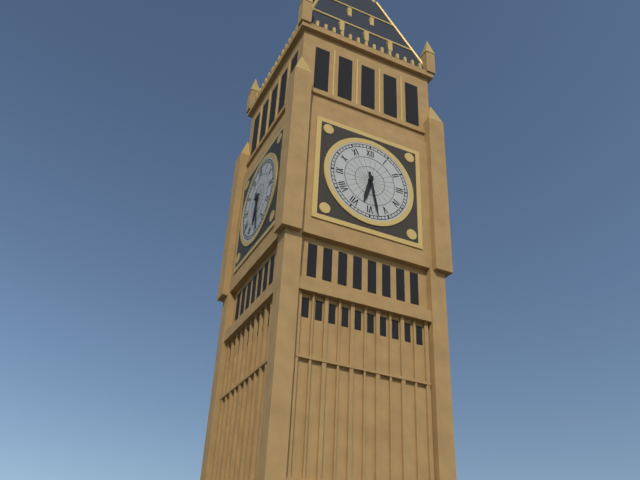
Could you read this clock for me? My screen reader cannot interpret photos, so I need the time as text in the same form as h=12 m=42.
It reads h=6 m=28
